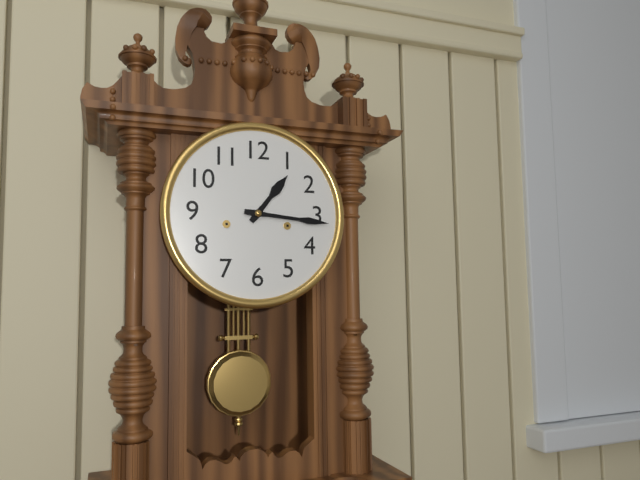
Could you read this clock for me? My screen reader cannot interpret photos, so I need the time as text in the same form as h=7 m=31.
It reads h=1 m=16
